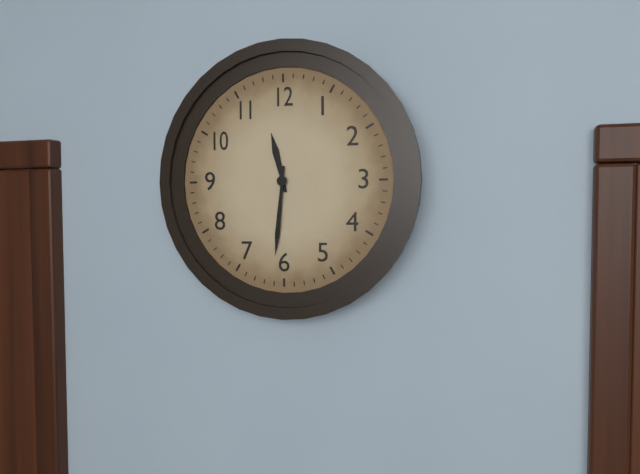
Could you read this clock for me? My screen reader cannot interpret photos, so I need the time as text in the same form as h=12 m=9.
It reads h=11 m=31
